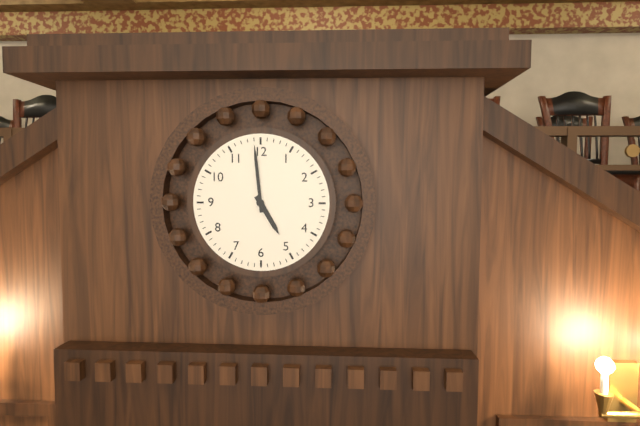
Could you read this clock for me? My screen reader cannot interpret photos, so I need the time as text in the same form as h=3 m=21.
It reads h=4 m=59
